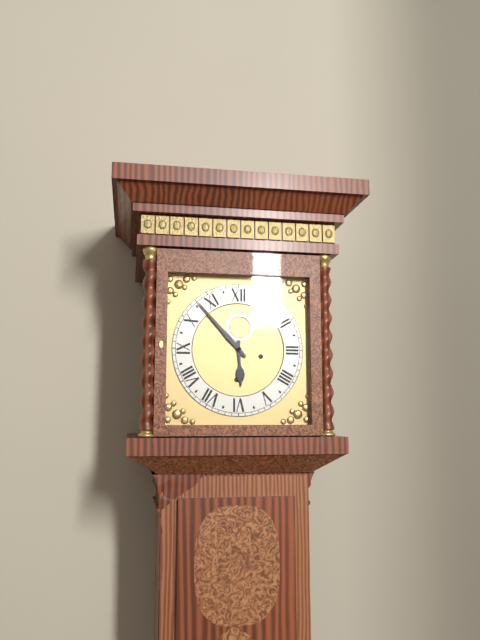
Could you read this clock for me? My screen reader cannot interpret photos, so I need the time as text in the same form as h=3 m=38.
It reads h=5 m=53
